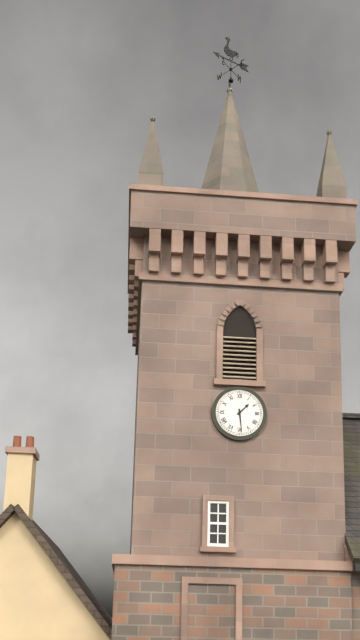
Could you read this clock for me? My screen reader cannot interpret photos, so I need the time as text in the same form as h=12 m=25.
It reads h=1 m=29
